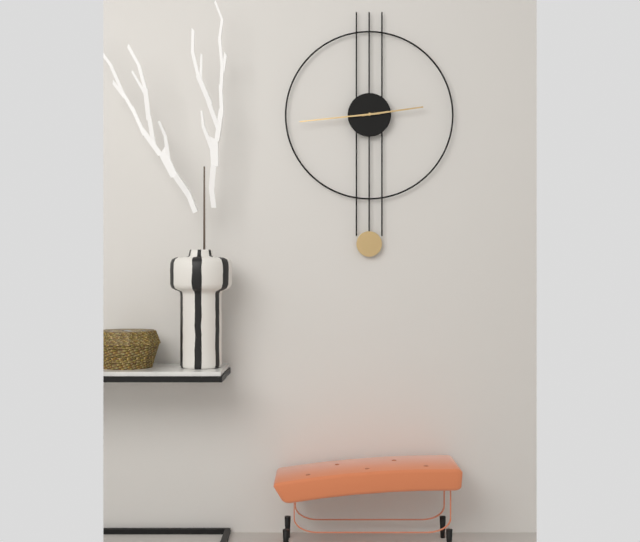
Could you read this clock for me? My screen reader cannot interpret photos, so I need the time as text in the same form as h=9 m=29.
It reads h=2 m=44
